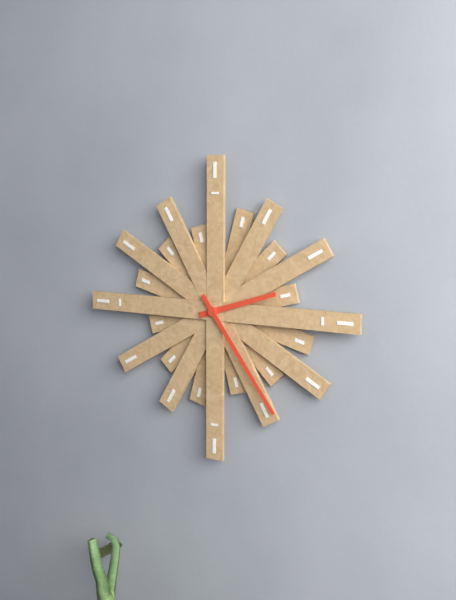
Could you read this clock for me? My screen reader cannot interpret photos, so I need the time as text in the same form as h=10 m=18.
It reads h=2 m=24
